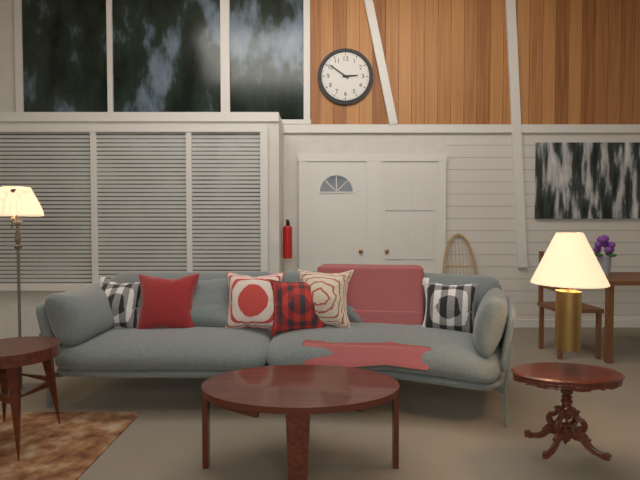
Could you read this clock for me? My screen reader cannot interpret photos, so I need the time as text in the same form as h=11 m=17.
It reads h=2 m=51
